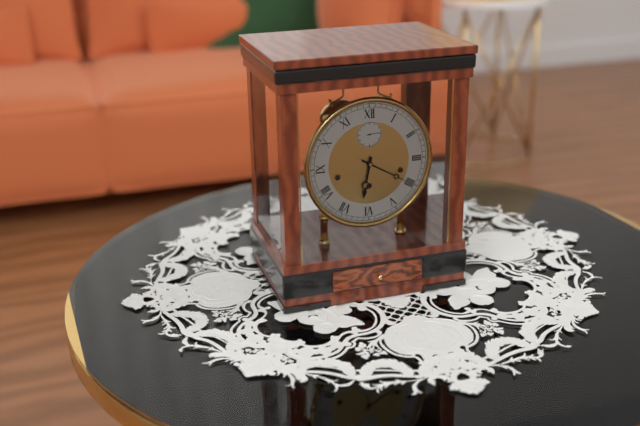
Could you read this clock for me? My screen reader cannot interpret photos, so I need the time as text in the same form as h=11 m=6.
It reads h=6 m=20
